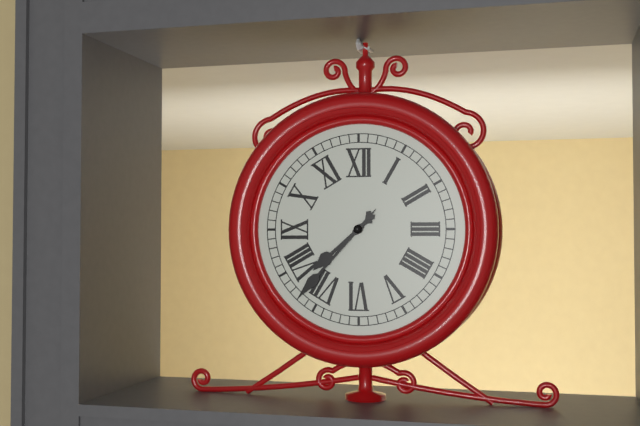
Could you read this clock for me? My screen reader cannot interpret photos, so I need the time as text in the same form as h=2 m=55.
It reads h=7 m=37
